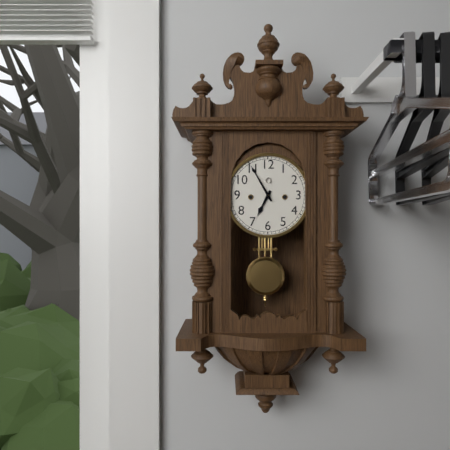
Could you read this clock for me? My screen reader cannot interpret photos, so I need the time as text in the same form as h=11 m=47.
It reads h=6 m=55
